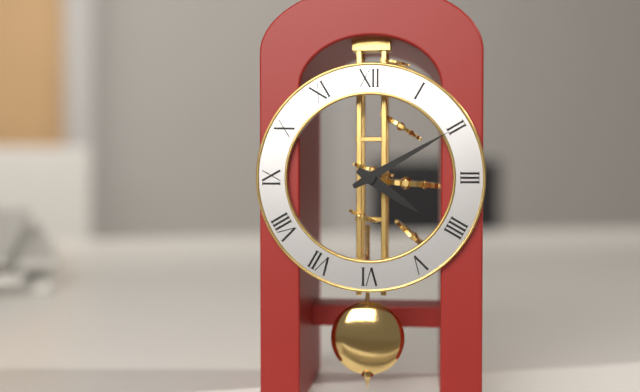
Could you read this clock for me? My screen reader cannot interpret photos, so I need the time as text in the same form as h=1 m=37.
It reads h=4 m=10
